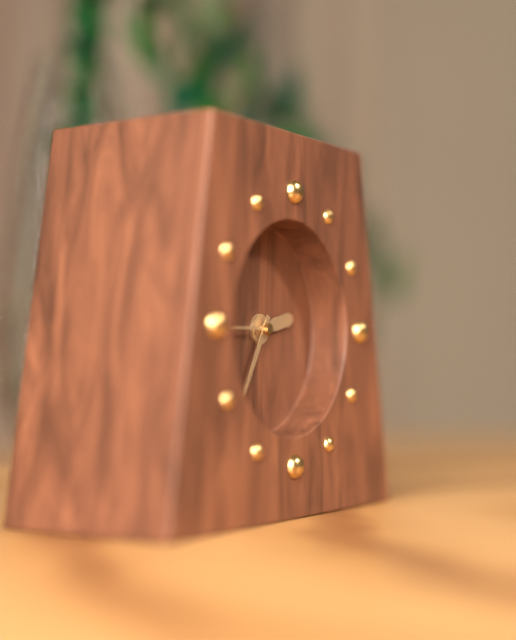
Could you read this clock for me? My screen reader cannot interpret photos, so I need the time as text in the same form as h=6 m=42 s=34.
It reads h=2 m=35 s=45
